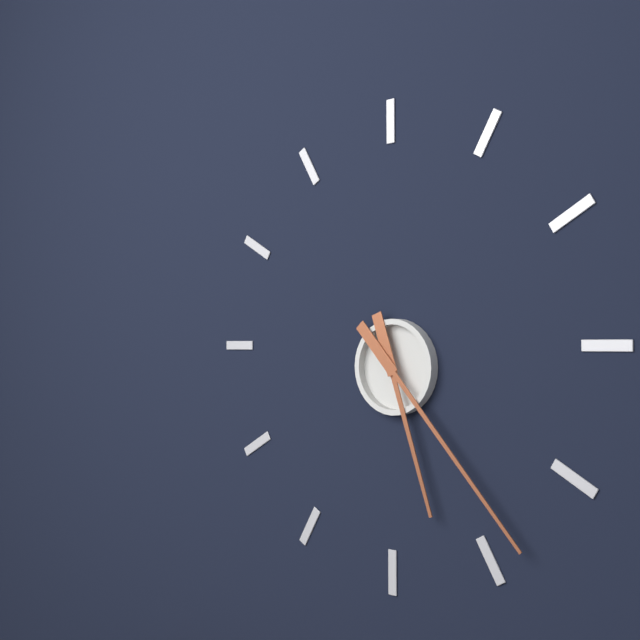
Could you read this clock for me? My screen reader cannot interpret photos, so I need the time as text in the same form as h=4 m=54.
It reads h=5 m=23
